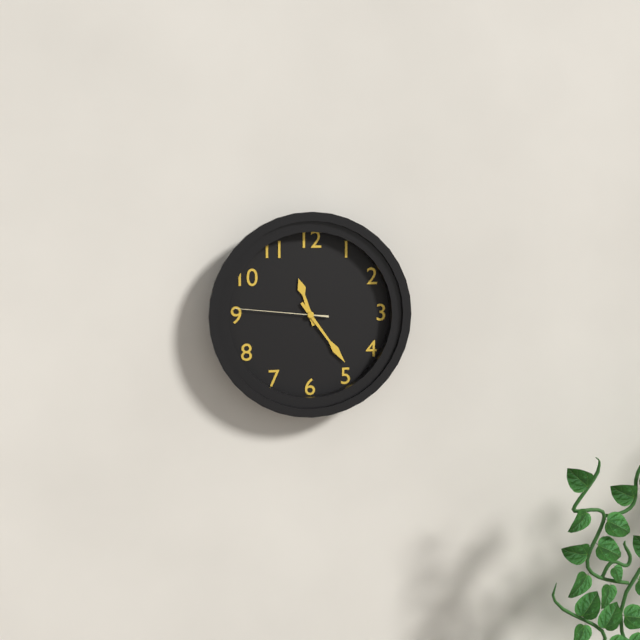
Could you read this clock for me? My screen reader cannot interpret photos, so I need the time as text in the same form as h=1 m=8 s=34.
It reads h=11 m=24 s=46
